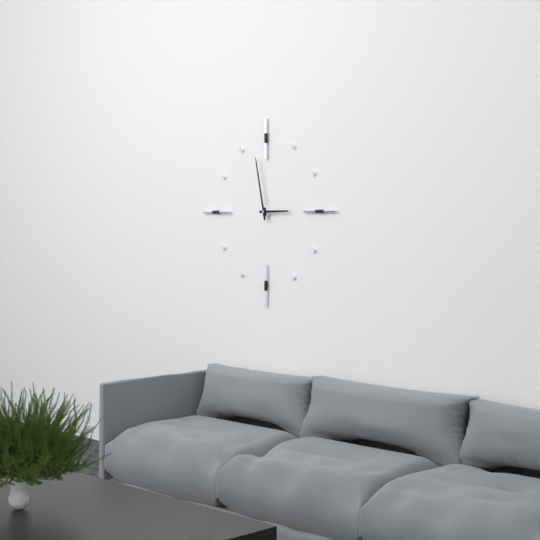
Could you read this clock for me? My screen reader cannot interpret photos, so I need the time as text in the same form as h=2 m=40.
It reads h=2 m=58
